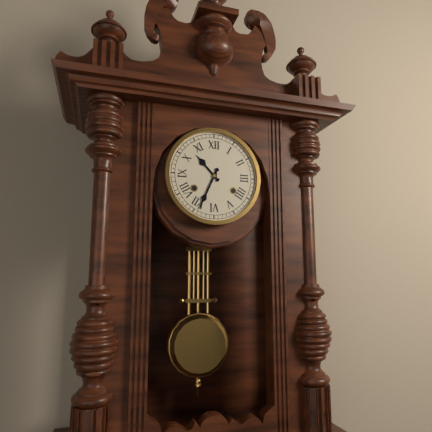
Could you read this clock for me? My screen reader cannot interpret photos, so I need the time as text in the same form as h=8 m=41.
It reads h=10 m=34
